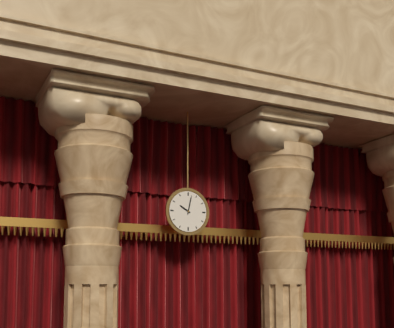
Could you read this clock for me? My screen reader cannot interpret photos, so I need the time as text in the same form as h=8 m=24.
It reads h=10 m=2
